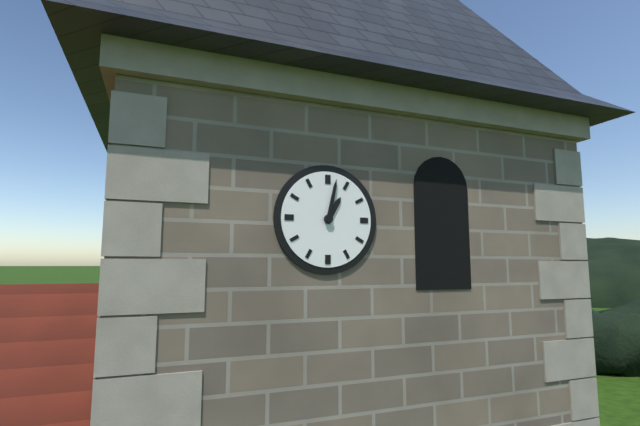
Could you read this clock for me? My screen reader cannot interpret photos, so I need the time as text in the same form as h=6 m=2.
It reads h=1 m=2
